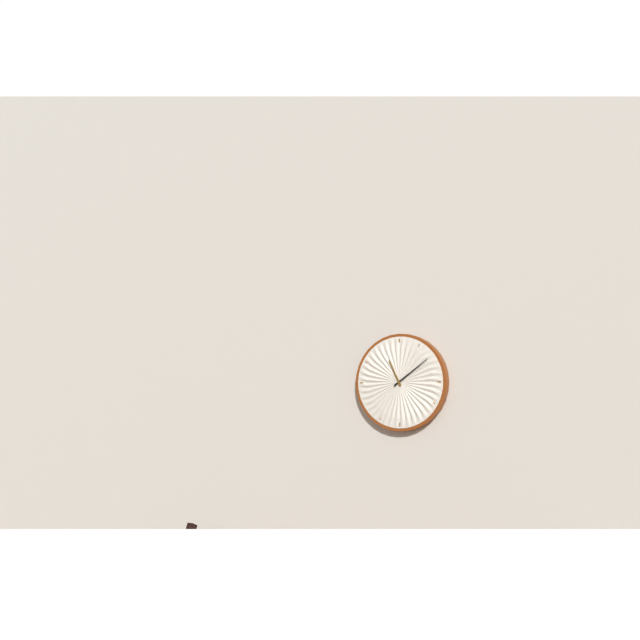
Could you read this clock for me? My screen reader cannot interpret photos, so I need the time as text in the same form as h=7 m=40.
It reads h=11 m=9
